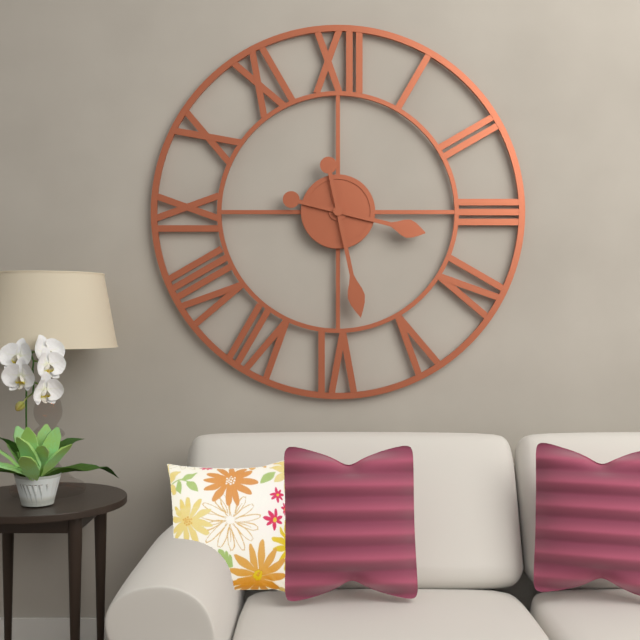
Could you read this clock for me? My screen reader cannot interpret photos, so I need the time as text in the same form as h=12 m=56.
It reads h=3 m=28
